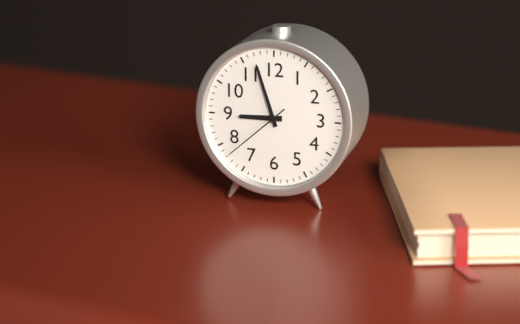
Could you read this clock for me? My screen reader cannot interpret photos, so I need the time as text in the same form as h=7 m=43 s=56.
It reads h=8 m=57 s=38
